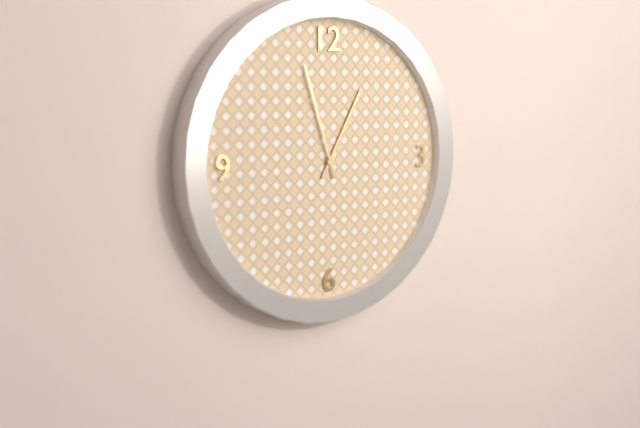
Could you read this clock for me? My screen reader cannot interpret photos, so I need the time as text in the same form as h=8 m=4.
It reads h=12 m=57
